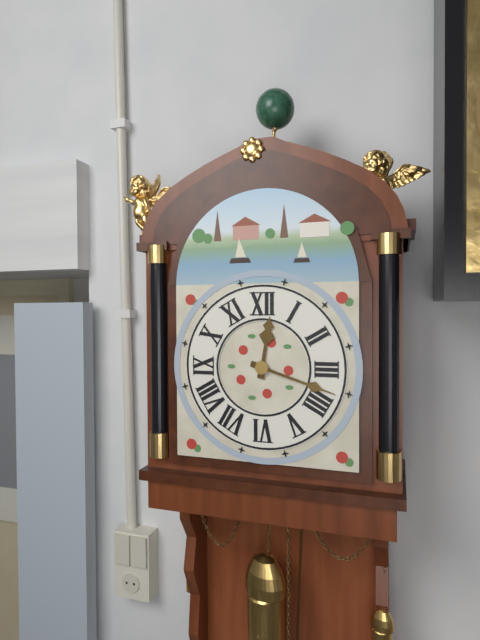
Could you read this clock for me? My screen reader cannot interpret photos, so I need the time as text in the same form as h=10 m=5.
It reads h=12 m=18
